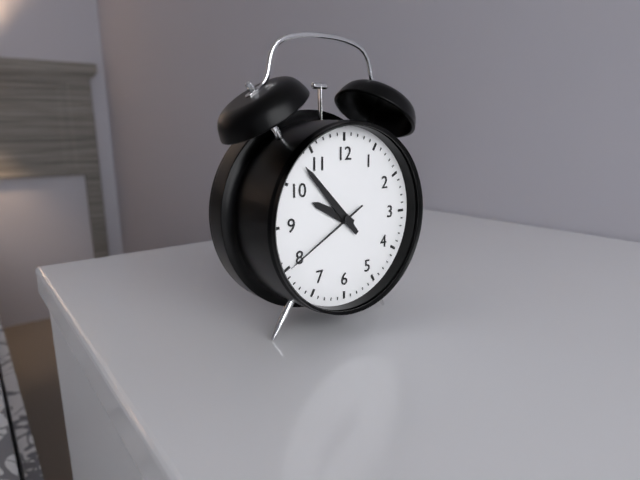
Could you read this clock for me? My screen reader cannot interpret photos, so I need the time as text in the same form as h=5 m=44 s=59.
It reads h=9 m=53 s=40
